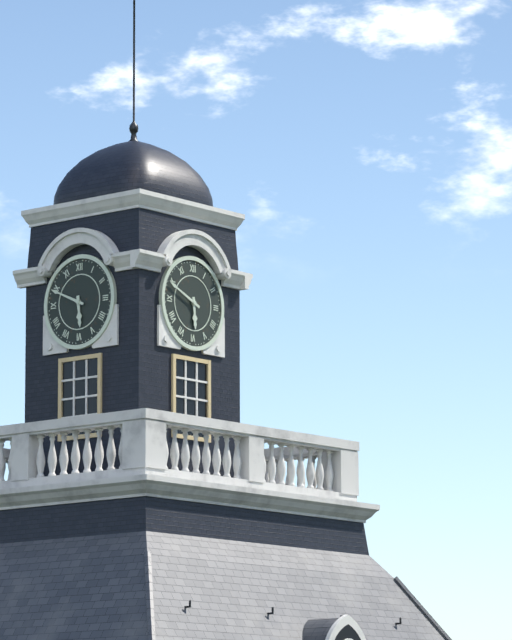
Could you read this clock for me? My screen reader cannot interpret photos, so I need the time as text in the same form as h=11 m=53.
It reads h=5 m=49
